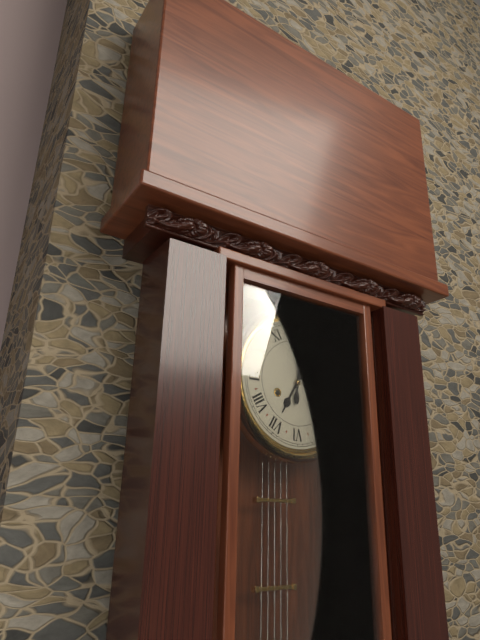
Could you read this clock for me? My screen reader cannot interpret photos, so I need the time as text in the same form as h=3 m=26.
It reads h=7 m=1
